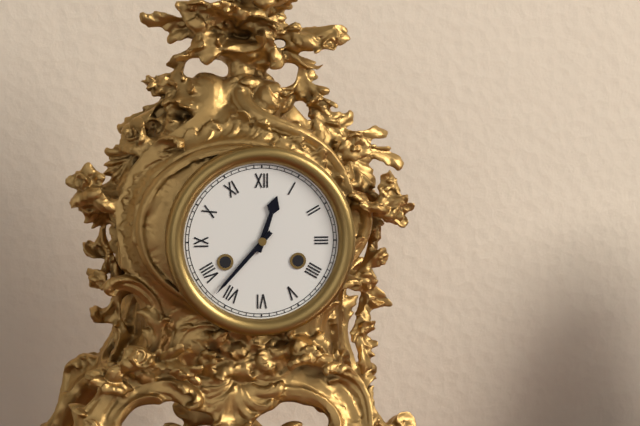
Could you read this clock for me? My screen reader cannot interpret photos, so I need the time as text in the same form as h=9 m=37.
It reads h=12 m=37
